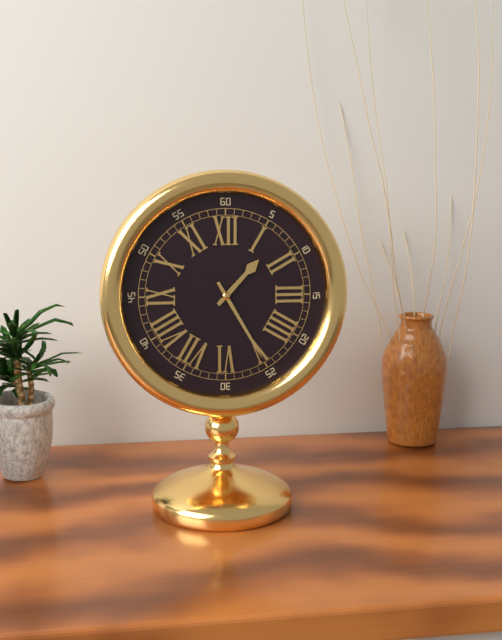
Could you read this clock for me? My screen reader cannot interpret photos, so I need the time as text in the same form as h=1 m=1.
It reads h=1 m=25
